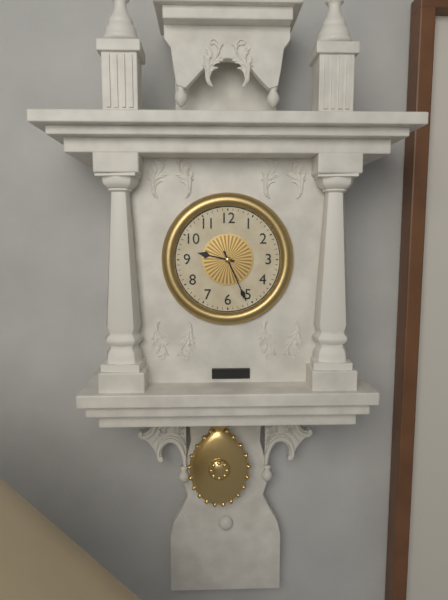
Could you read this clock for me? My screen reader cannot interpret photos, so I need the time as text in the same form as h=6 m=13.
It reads h=9 m=26
